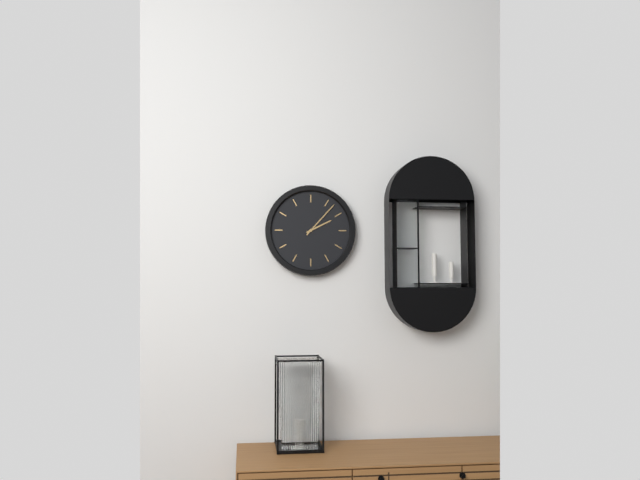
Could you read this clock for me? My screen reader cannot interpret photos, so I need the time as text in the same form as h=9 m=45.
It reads h=2 m=7
